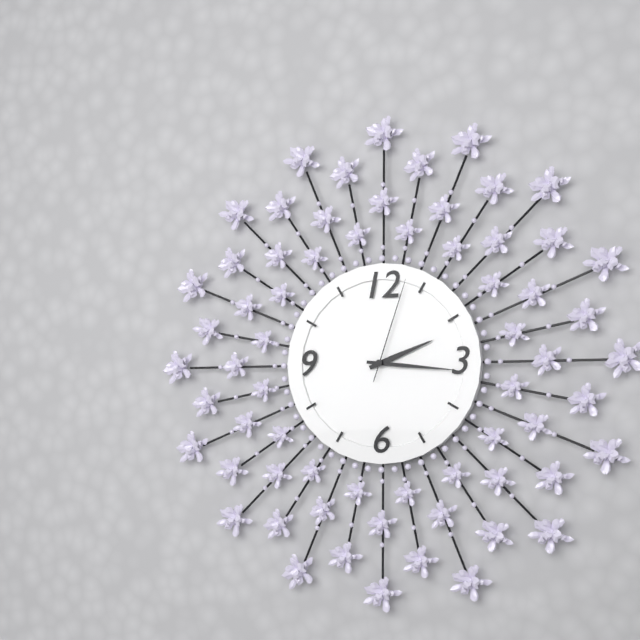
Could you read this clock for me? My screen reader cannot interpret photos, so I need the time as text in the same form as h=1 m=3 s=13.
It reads h=2 m=16 s=3
